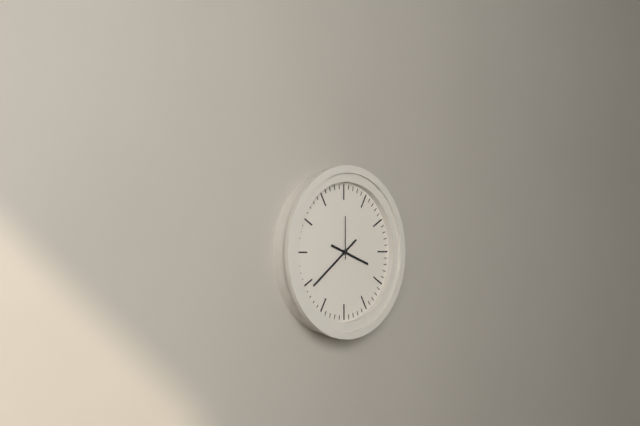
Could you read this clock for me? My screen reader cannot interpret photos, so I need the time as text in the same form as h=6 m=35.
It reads h=3 m=39
